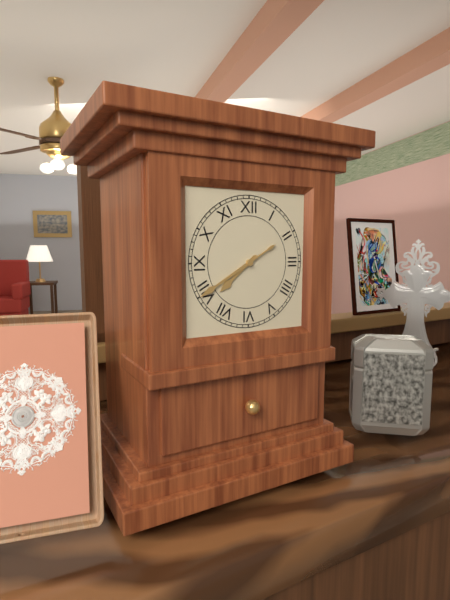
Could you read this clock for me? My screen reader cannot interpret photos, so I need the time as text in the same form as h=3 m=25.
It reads h=7 m=40
